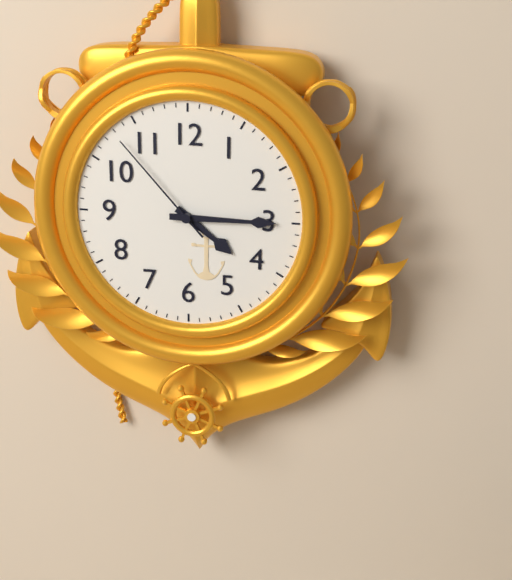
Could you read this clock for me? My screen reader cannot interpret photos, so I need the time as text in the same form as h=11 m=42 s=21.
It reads h=4 m=15 s=53
